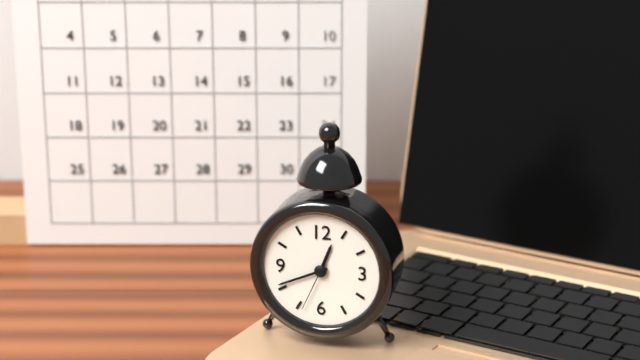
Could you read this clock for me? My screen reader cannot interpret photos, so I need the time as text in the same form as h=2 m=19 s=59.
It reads h=12 m=41 s=34
